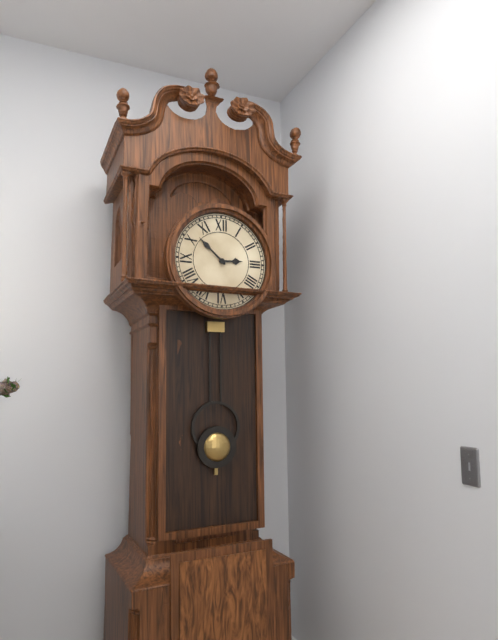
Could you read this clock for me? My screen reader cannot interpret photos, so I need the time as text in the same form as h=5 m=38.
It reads h=2 m=52
